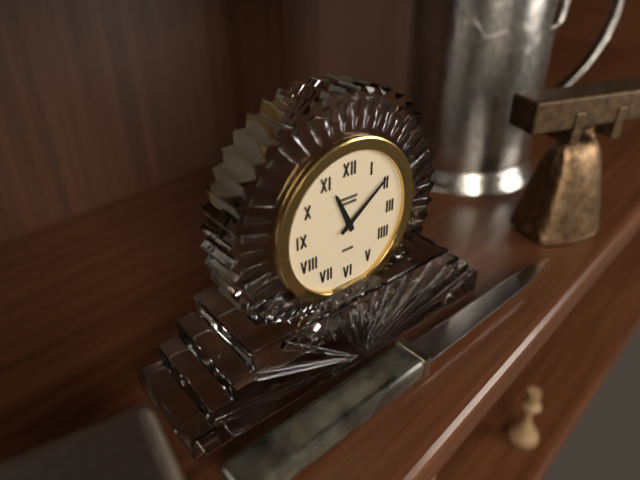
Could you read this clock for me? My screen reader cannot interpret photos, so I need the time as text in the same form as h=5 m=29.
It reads h=11 m=9
